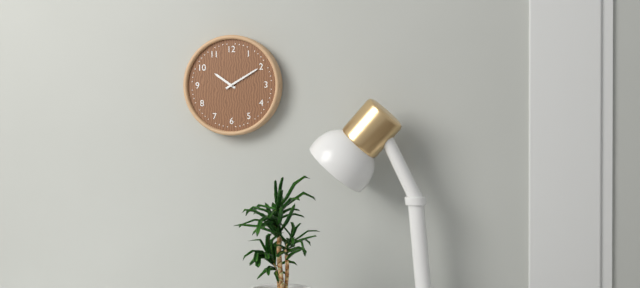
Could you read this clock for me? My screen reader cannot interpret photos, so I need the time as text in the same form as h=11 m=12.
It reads h=10 m=10
